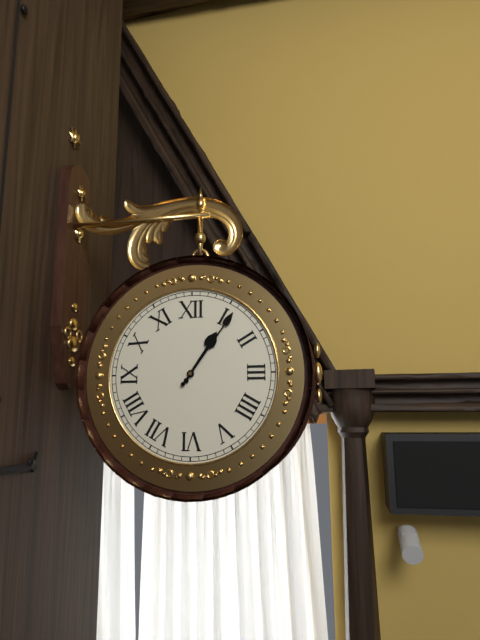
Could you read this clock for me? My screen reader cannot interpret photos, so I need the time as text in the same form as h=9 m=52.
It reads h=1 m=6
